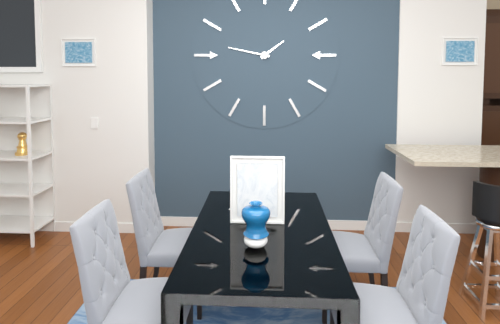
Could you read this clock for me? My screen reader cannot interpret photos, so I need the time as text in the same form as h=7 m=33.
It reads h=1 m=47
